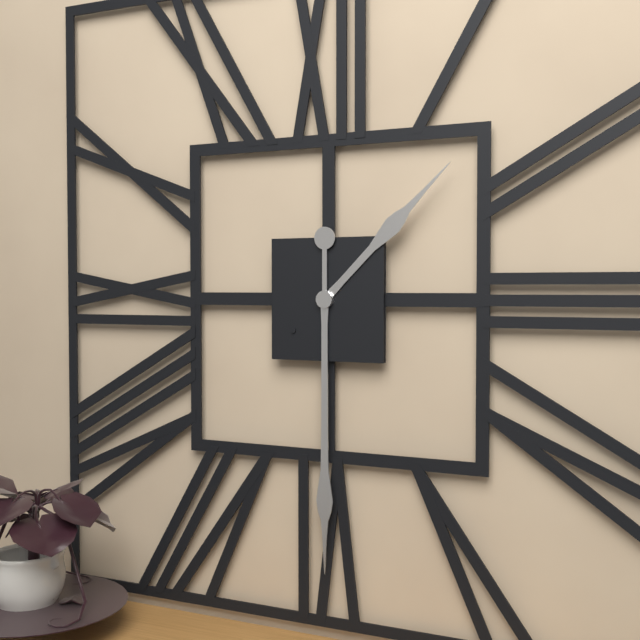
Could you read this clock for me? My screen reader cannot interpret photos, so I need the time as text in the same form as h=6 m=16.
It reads h=1 m=30
